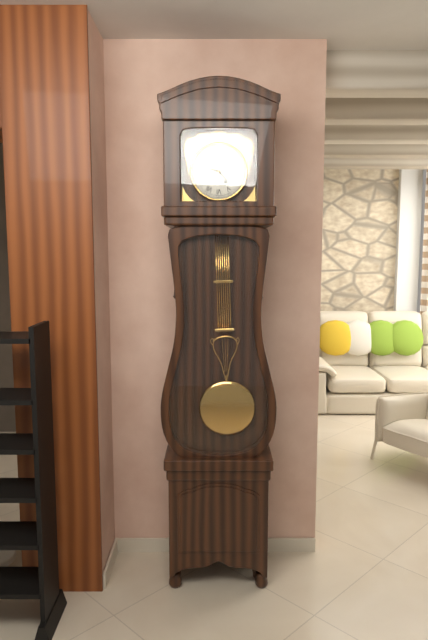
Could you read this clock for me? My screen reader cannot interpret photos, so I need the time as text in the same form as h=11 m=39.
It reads h=4 m=48
